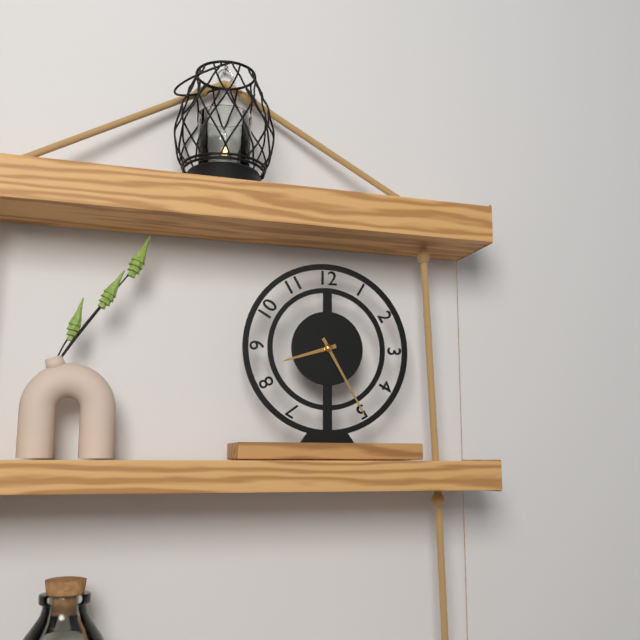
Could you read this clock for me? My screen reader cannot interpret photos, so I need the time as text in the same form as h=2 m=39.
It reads h=8 m=25
